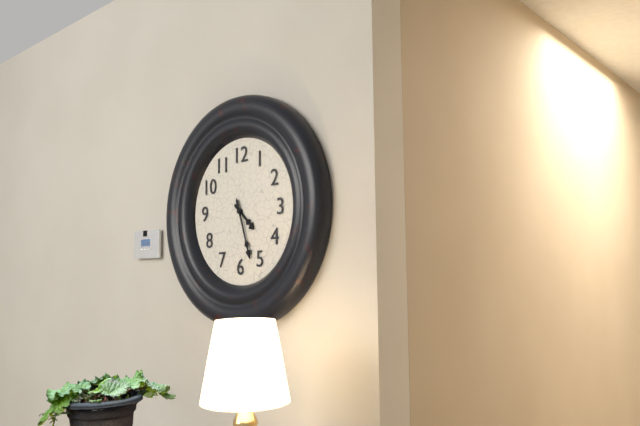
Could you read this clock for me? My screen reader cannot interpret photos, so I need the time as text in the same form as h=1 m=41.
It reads h=4 m=27
